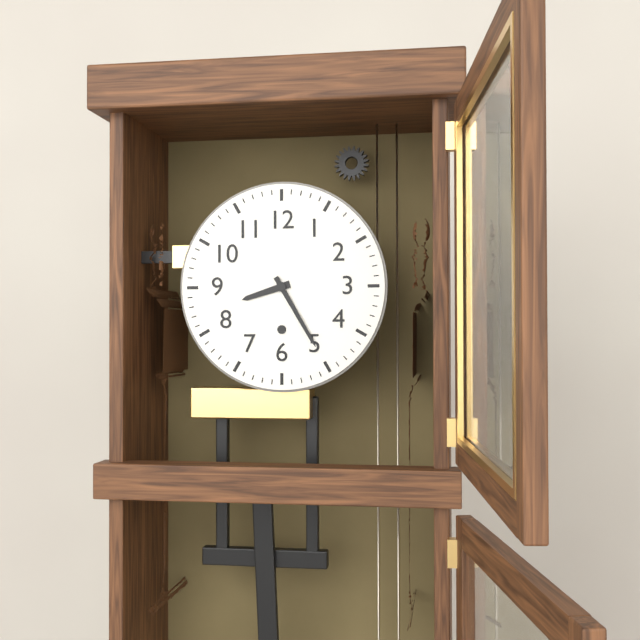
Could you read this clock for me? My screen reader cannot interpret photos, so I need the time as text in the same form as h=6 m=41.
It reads h=8 m=25
